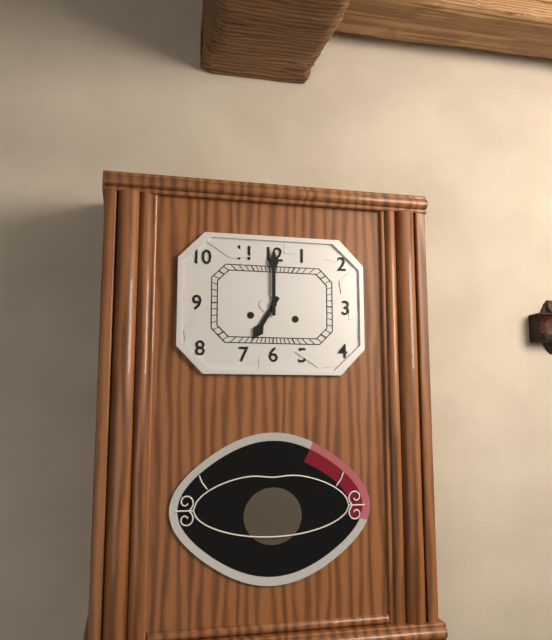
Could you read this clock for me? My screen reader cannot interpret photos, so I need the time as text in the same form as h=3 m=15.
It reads h=7 m=0
